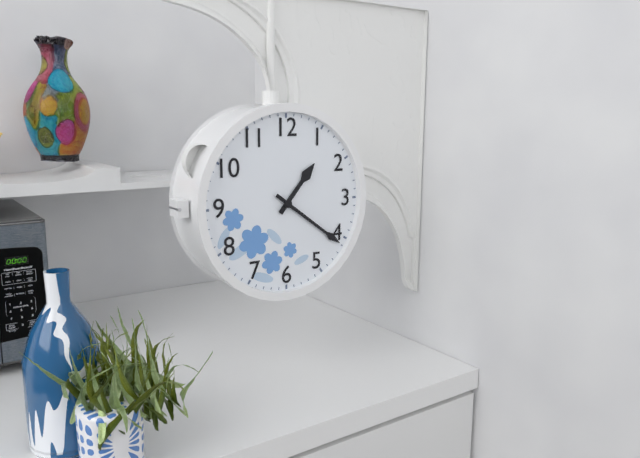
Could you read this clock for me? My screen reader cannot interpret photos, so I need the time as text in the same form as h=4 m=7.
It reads h=1 m=21
